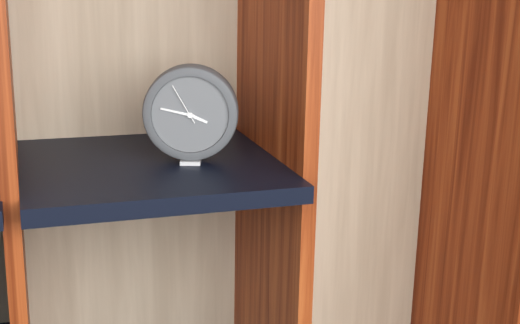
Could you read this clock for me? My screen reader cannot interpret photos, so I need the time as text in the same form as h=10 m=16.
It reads h=3 m=47
